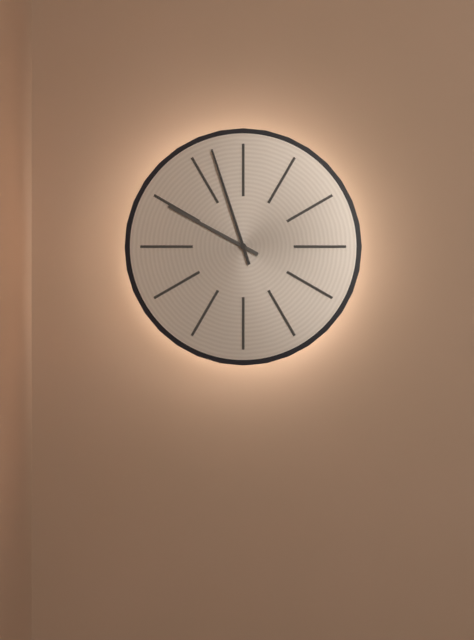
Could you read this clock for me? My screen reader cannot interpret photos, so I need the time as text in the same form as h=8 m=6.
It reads h=9 m=57
